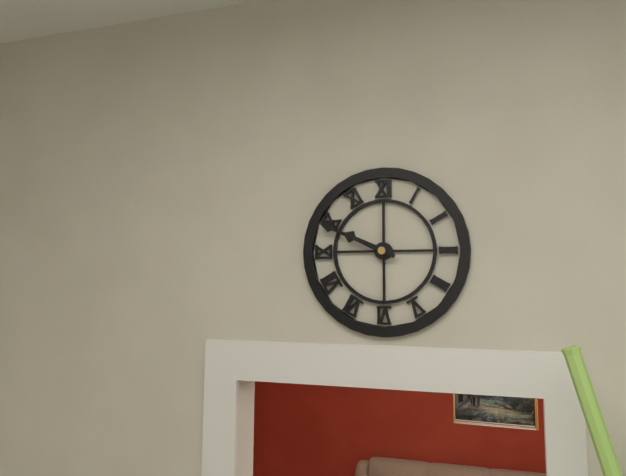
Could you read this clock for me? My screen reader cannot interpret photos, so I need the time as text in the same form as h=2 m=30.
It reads h=9 m=49
